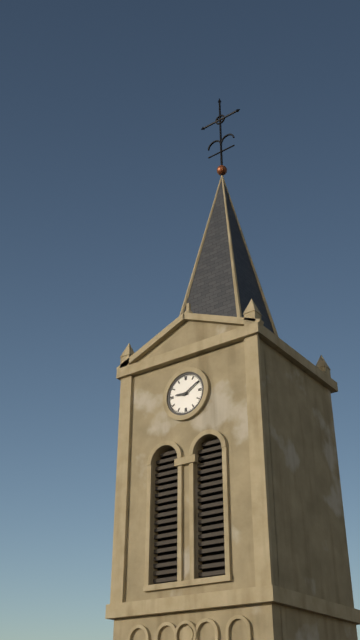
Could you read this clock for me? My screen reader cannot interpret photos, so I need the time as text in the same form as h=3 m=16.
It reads h=9 m=10
